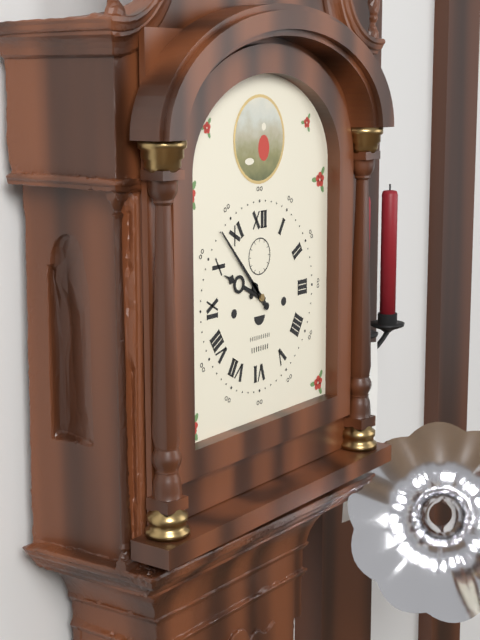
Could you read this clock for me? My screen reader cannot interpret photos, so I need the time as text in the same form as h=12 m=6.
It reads h=9 m=53
